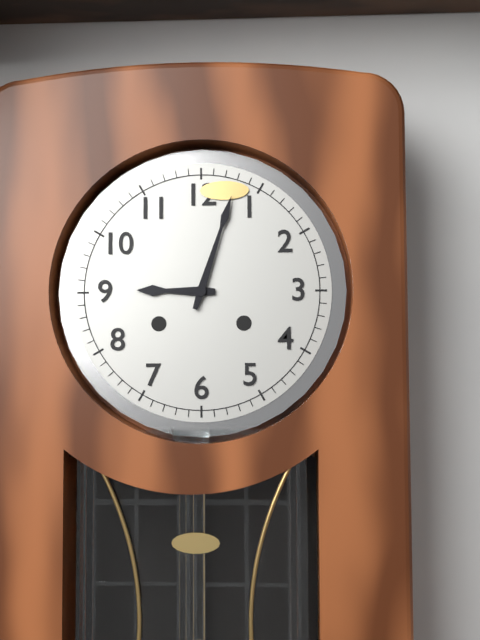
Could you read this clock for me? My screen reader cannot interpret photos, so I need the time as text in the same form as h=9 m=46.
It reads h=9 m=3
